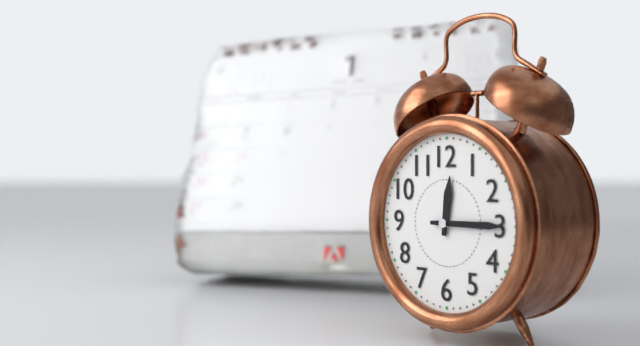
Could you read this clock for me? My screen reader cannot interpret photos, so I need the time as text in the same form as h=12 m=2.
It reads h=12 m=15
